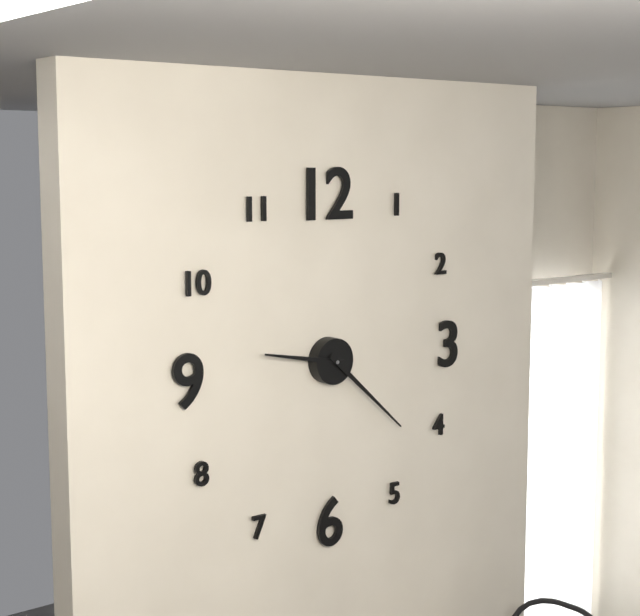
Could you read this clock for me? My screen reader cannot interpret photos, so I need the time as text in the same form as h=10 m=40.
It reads h=9 m=22
